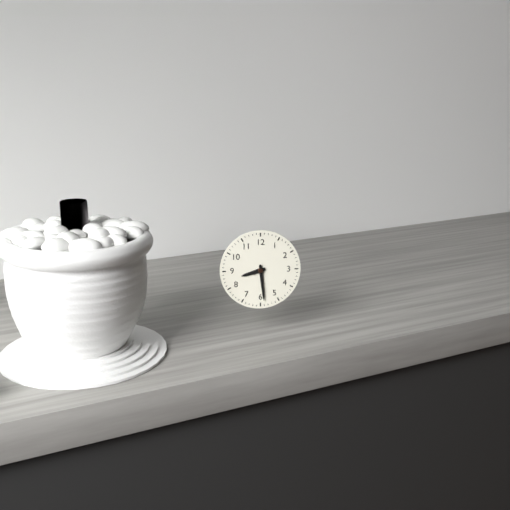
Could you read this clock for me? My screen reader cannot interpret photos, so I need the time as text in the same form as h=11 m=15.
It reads h=8 m=29
